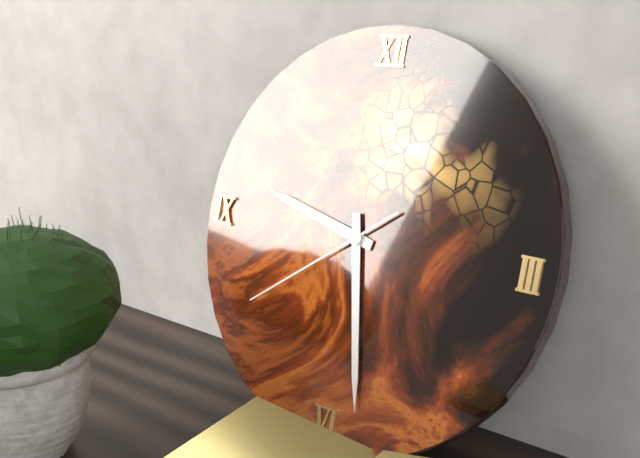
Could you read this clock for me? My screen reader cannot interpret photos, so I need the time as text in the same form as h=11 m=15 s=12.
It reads h=9 m=28 s=39
